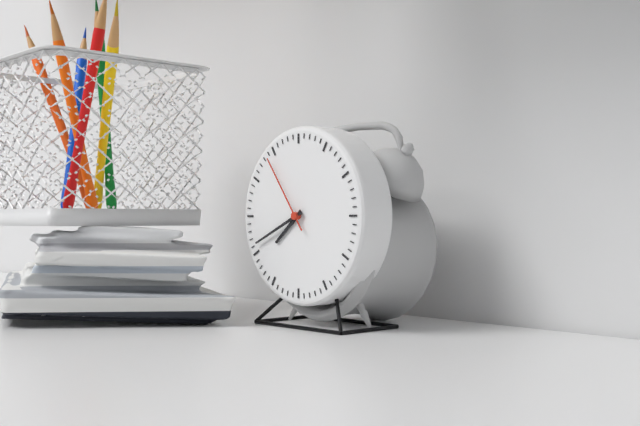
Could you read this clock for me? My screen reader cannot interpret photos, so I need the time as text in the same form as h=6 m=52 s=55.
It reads h=7 m=41 s=54
